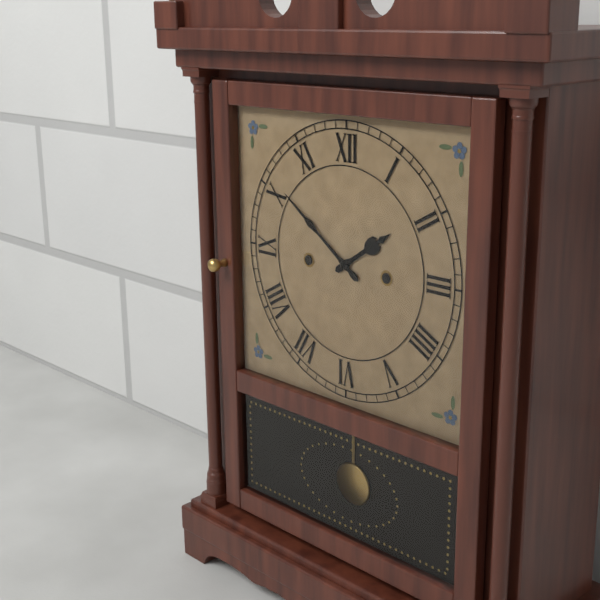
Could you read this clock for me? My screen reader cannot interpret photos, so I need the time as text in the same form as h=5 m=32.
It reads h=1 m=51
